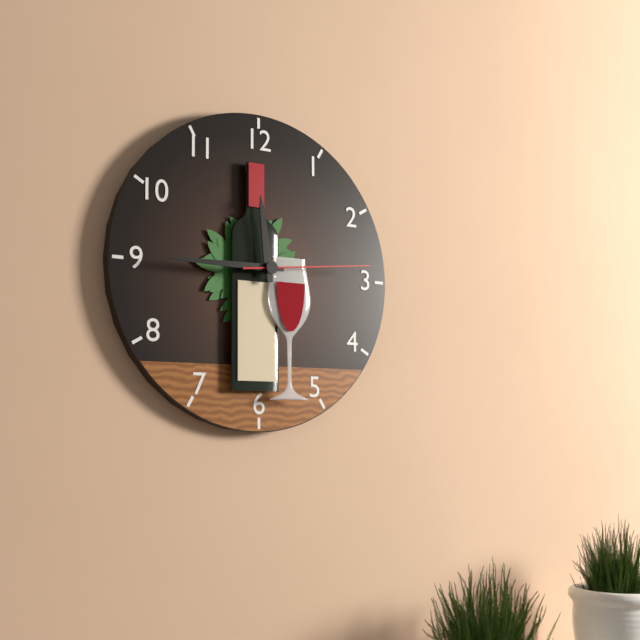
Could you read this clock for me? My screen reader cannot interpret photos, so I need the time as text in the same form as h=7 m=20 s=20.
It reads h=11 m=45 s=14
